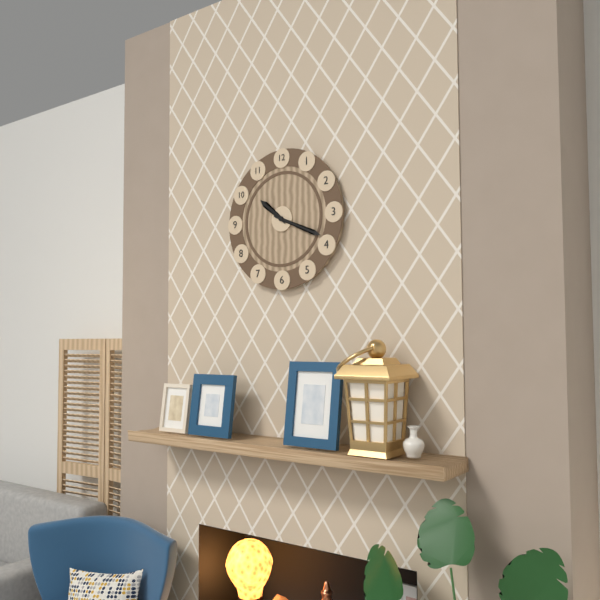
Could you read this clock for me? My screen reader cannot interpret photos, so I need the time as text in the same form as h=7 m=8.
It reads h=10 m=19
